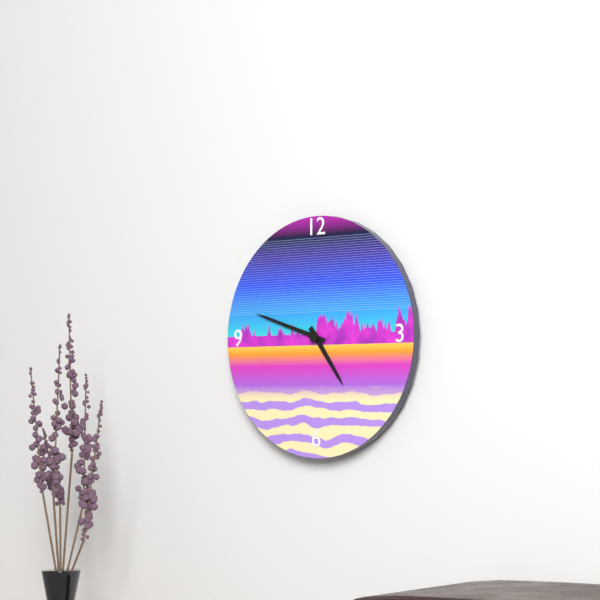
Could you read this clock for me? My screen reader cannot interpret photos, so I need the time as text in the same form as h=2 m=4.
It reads h=4 m=48
